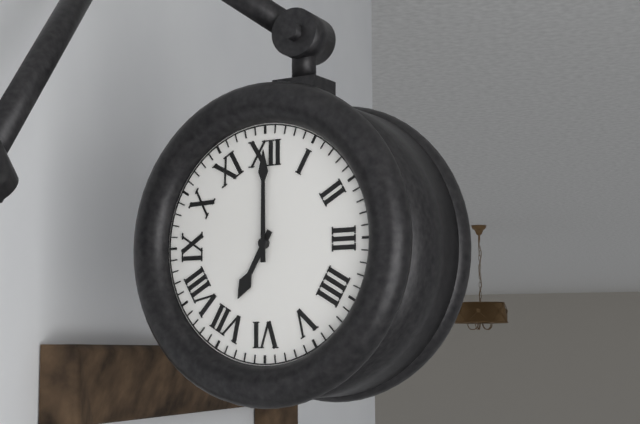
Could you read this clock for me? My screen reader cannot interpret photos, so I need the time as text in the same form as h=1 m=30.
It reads h=7 m=0
